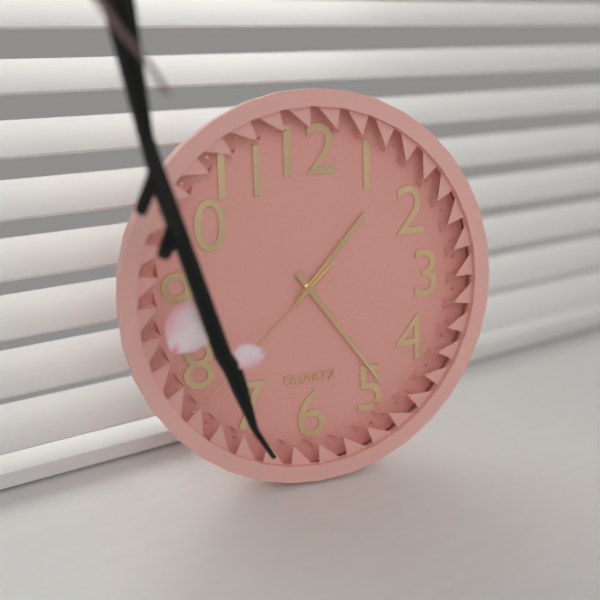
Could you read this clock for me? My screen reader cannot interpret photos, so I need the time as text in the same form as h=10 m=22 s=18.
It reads h=1 m=24 s=38
